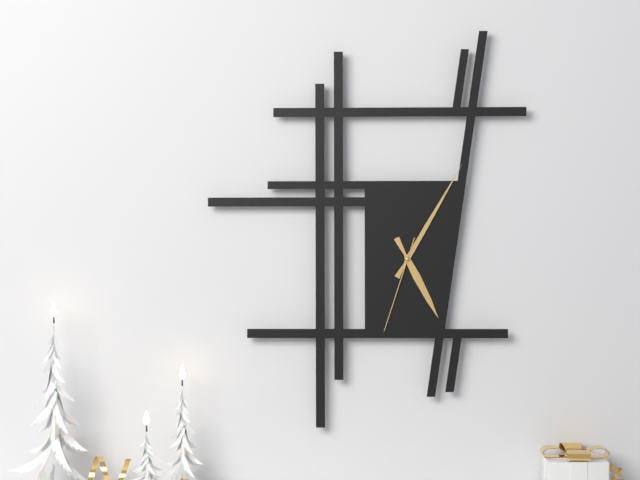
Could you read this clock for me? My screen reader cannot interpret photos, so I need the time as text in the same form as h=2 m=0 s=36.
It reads h=5 m=5 s=33
